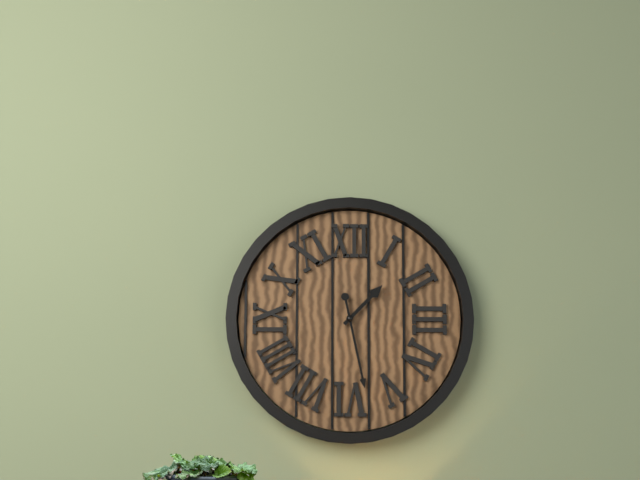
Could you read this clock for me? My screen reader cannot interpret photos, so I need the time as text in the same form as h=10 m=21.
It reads h=1 m=28
